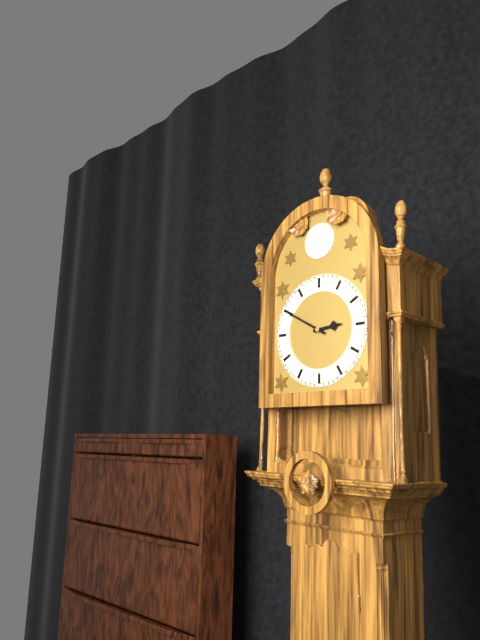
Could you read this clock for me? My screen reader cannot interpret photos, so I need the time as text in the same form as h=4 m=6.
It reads h=2 m=50
